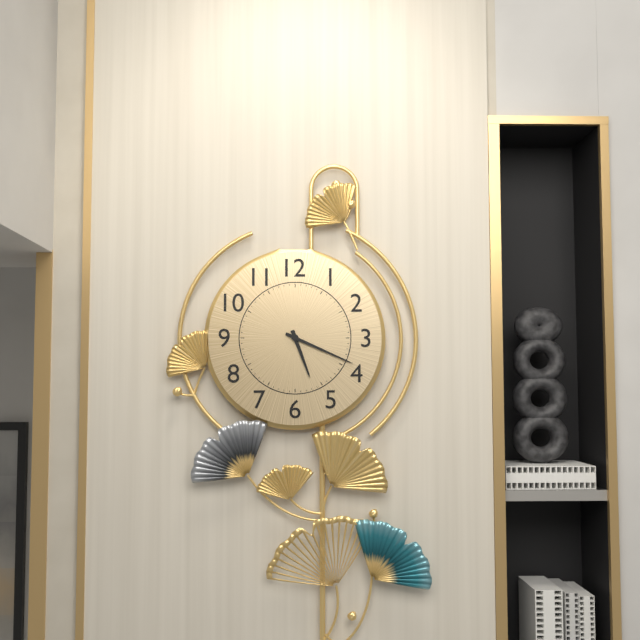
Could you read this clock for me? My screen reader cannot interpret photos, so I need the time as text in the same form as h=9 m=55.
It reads h=5 m=19
